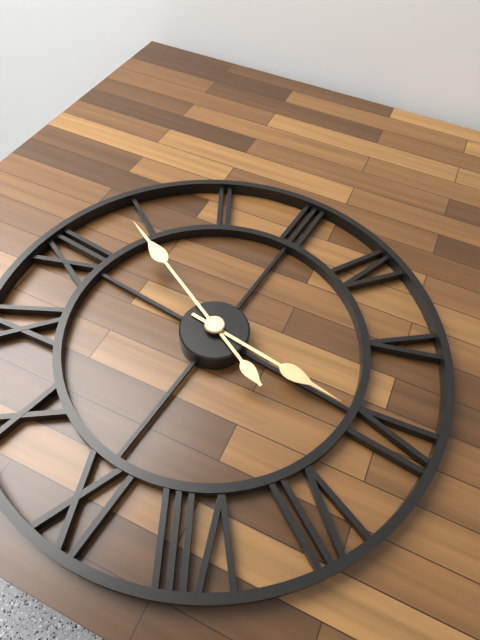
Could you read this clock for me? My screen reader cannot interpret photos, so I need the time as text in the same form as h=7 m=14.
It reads h=6 m=4
